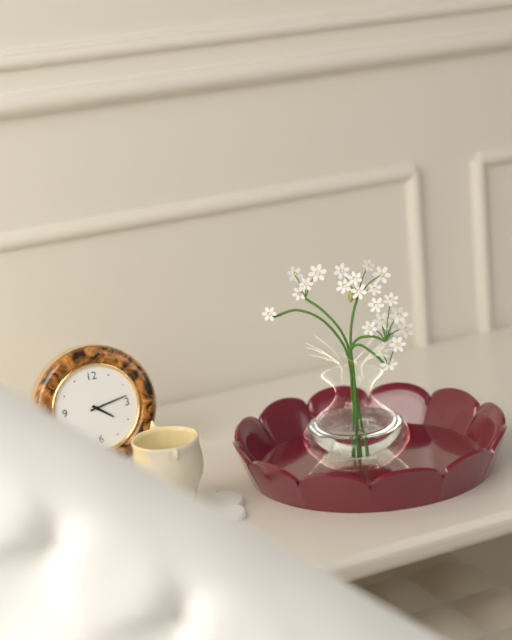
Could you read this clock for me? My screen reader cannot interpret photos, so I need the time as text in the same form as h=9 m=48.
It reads h=4 m=13
